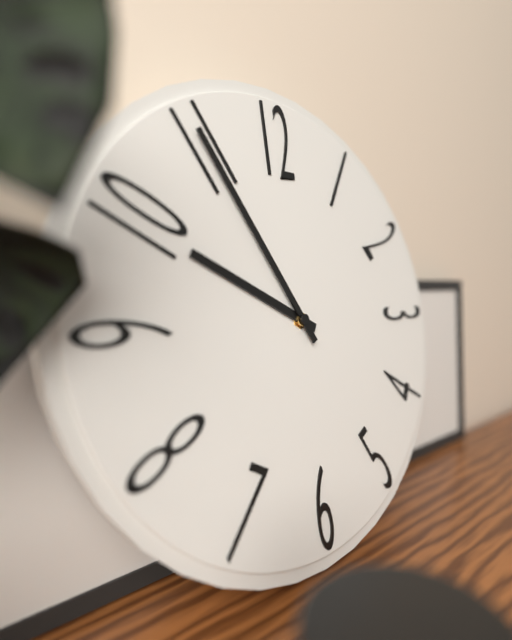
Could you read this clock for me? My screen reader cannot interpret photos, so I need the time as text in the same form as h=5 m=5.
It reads h=9 m=55
